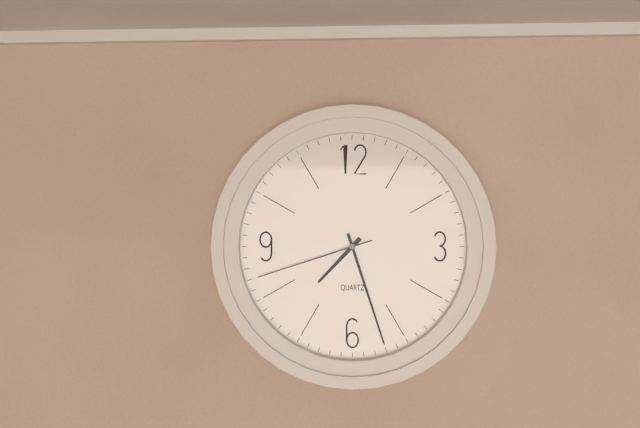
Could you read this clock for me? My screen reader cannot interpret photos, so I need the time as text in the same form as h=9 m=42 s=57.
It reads h=7 m=27 s=42
